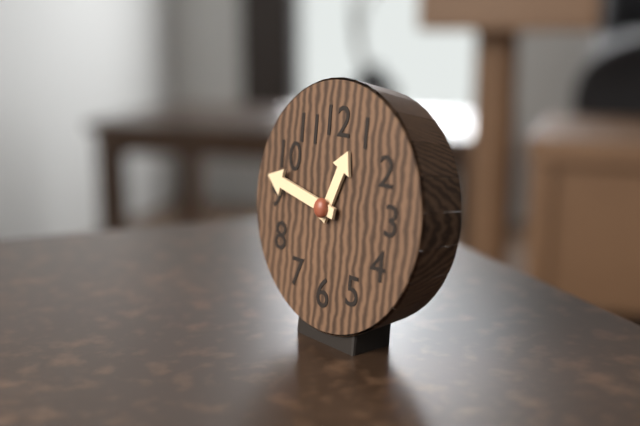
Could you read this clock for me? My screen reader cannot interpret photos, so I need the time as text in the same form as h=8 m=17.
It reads h=12 m=47
